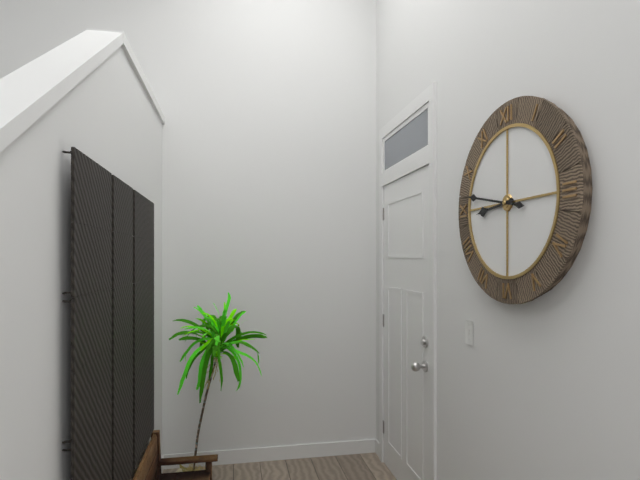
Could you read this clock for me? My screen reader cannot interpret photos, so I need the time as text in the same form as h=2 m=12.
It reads h=8 m=47
